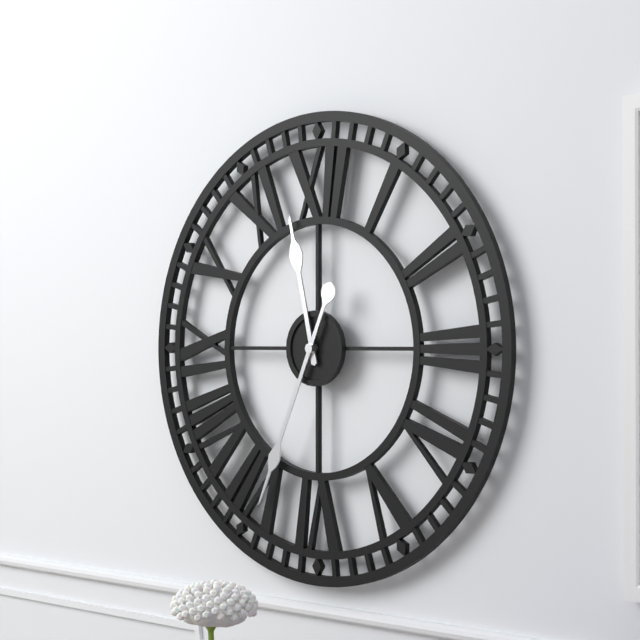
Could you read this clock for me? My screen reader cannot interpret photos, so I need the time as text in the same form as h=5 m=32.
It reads h=11 m=34
